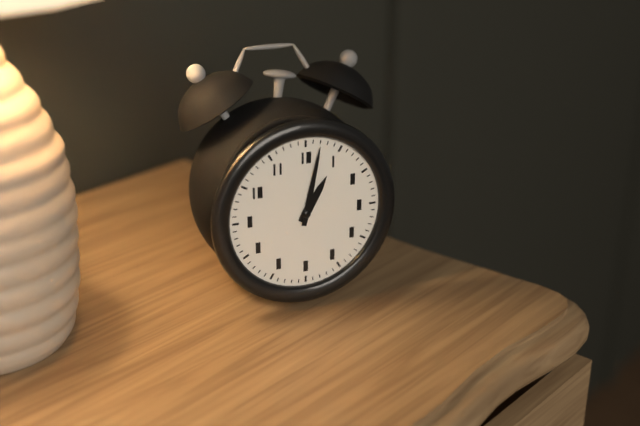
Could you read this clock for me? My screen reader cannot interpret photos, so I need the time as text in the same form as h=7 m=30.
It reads h=1 m=2
